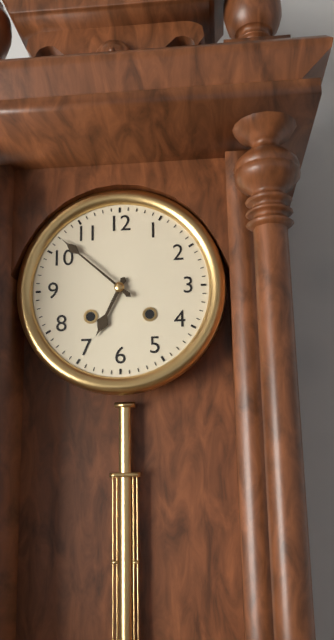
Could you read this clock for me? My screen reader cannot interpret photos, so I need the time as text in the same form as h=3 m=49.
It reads h=6 m=52
